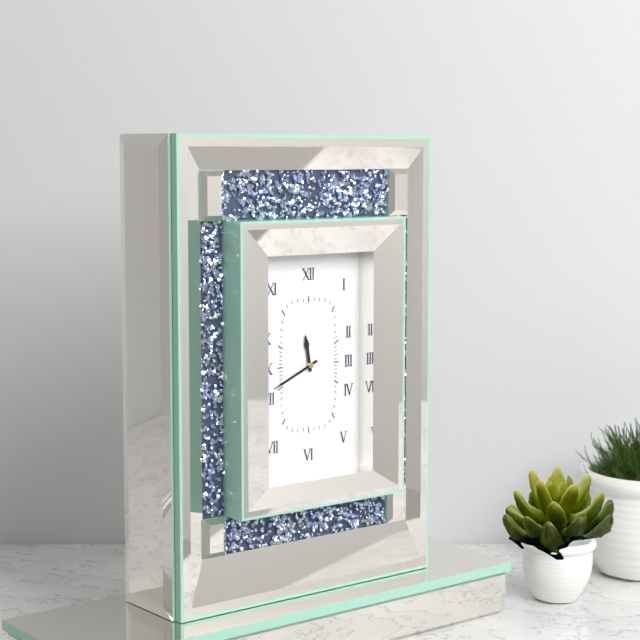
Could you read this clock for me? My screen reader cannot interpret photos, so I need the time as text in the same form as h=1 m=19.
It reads h=11 m=41
